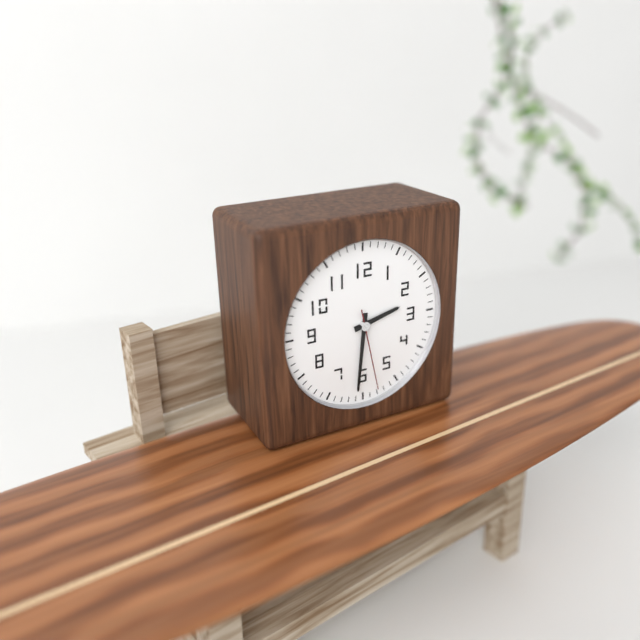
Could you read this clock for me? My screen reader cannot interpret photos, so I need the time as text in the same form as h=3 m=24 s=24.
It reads h=2 m=31 s=28
